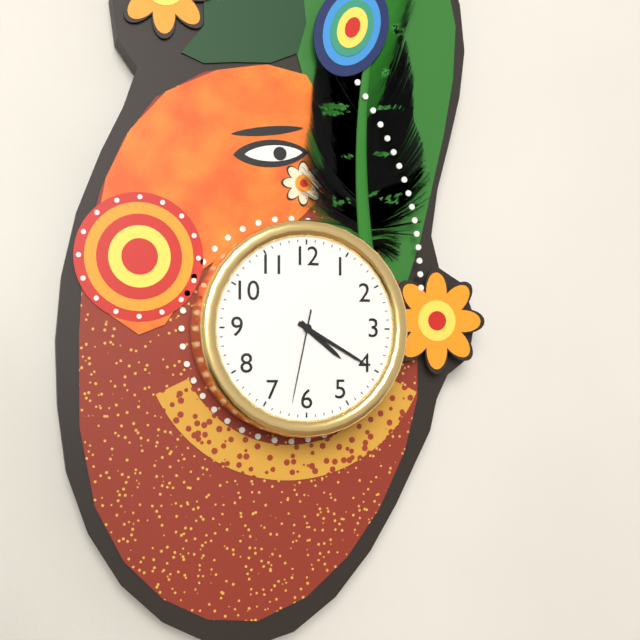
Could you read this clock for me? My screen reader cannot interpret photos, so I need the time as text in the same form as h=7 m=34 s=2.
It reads h=4 m=20 s=32
